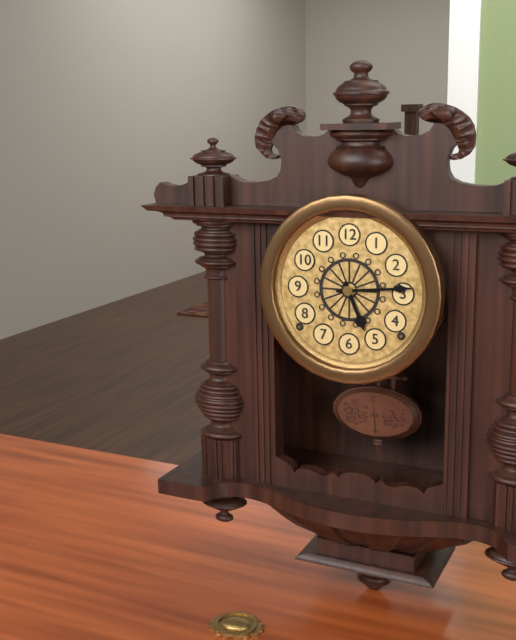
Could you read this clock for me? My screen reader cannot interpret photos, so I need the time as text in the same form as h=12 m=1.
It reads h=5 m=14
